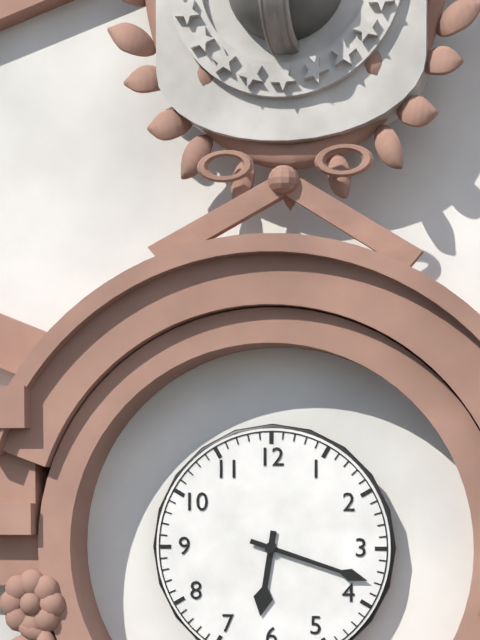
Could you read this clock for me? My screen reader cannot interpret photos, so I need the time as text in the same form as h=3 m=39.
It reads h=6 m=18
